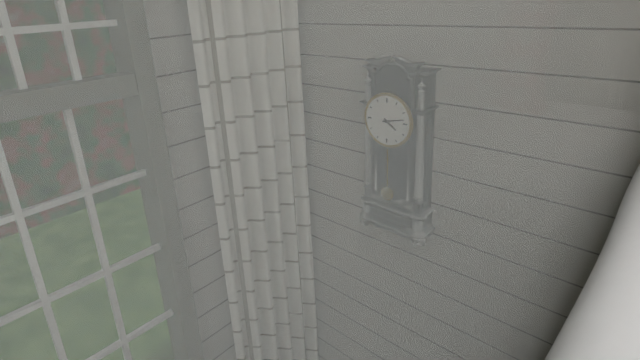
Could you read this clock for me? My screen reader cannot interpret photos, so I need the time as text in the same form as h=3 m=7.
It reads h=4 m=13
